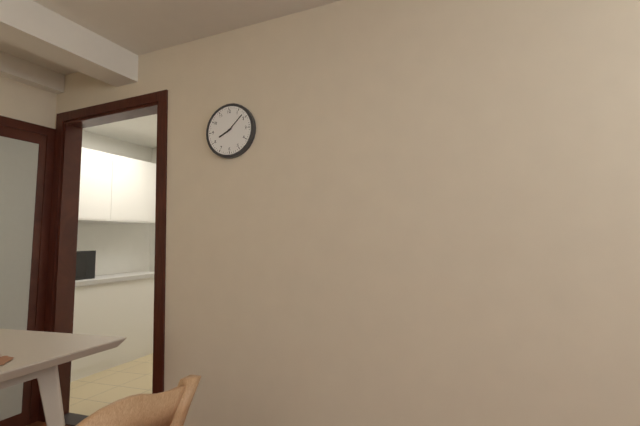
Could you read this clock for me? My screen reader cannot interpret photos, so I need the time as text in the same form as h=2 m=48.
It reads h=8 m=8
